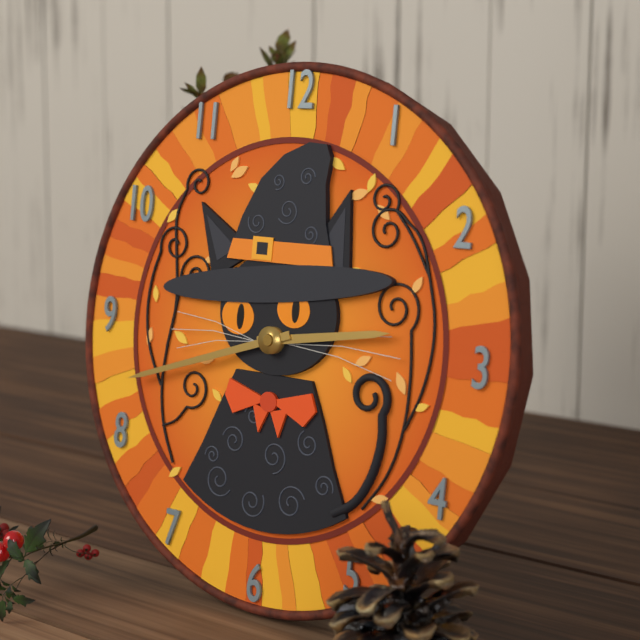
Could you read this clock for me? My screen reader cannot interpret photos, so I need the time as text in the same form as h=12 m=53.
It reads h=2 m=42
